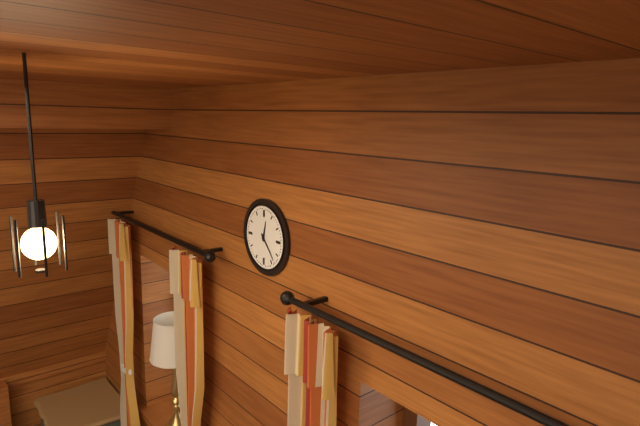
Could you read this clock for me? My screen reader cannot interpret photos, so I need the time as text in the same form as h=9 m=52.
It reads h=12 m=23
